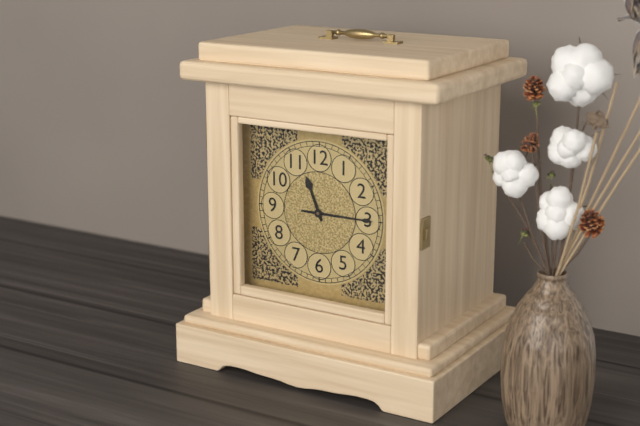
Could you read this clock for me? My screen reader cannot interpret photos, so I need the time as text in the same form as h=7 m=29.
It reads h=11 m=15
